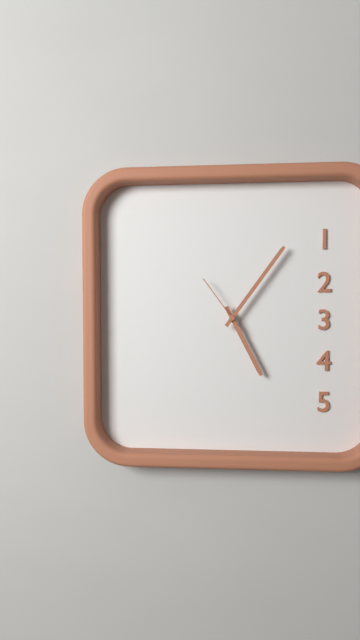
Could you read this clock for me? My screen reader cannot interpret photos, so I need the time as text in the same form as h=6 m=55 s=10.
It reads h=5 m=6 s=54
